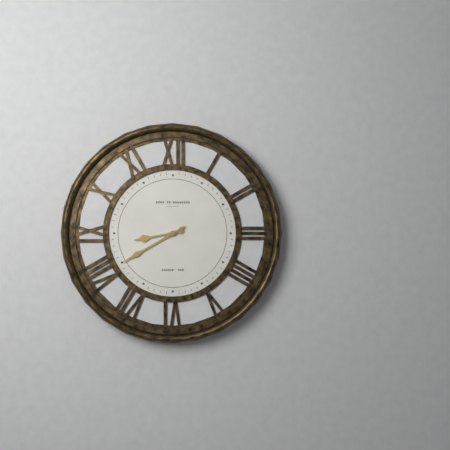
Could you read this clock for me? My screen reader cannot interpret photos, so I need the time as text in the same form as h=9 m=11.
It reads h=8 m=40
